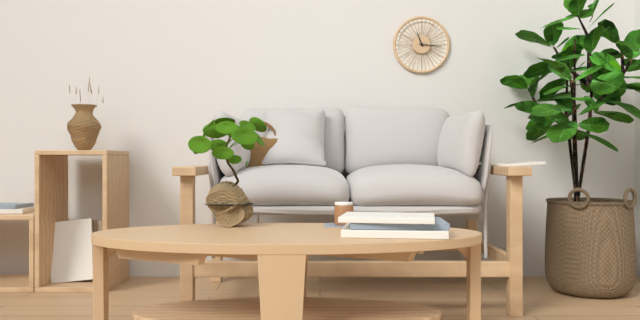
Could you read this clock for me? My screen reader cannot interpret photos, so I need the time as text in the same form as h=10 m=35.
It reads h=11 m=16
